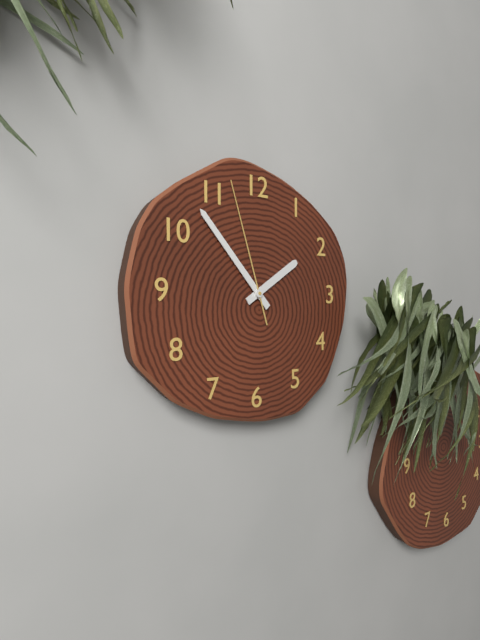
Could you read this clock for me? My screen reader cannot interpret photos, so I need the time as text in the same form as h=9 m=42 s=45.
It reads h=1 m=53 s=57
